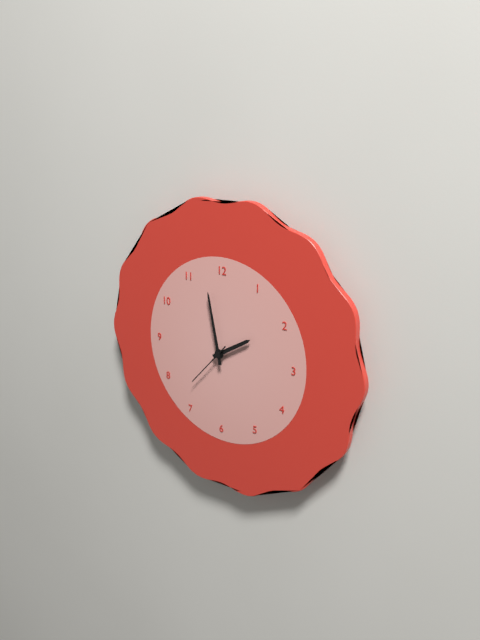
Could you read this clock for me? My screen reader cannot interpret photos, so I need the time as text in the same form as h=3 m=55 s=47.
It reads h=1 m=58 s=37
